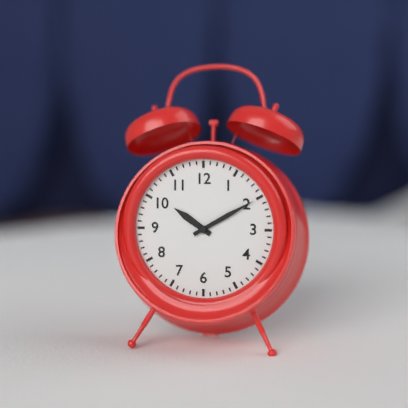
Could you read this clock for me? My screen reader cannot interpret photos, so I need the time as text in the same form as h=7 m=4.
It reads h=10 m=10
